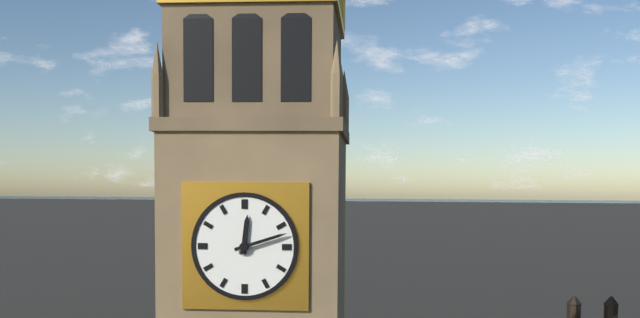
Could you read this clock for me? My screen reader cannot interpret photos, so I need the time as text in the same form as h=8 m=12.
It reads h=12 m=12
